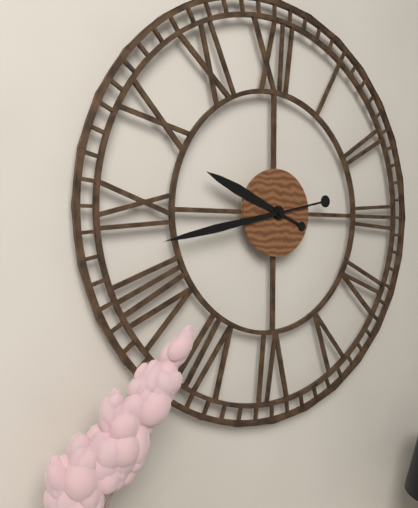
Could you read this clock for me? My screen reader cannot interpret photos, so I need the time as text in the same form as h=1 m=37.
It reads h=9 m=43
